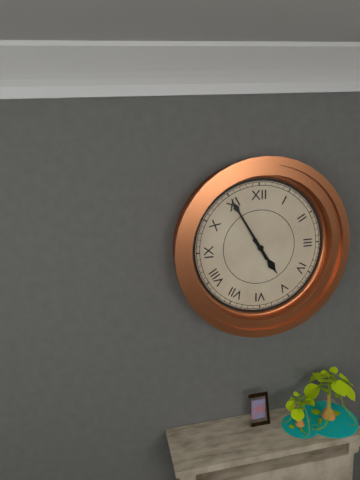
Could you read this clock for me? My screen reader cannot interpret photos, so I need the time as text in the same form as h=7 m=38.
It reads h=4 m=55
